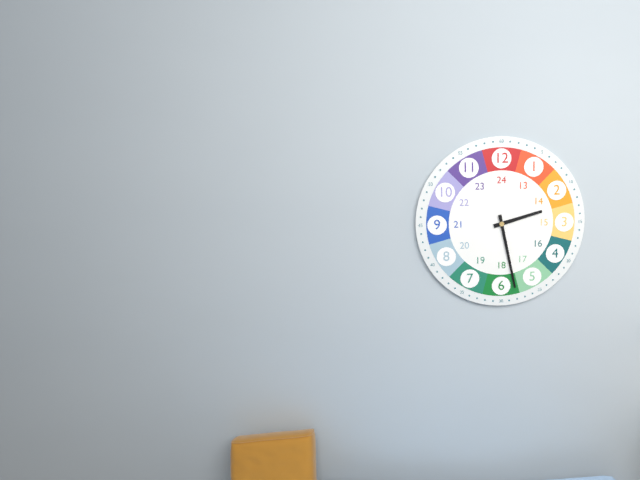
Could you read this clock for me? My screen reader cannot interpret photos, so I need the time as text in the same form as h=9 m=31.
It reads h=2 m=28
